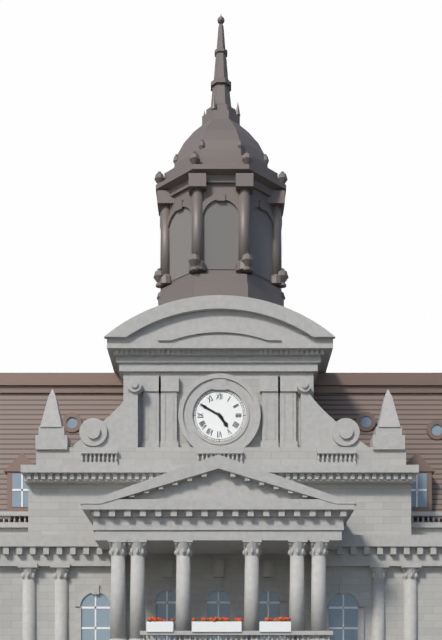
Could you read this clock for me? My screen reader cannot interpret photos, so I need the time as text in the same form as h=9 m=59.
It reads h=4 m=50
